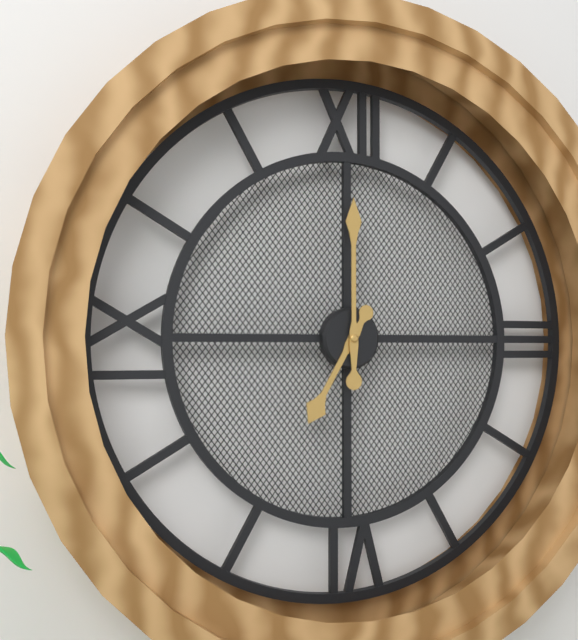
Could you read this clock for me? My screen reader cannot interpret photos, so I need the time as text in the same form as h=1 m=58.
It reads h=7 m=0
